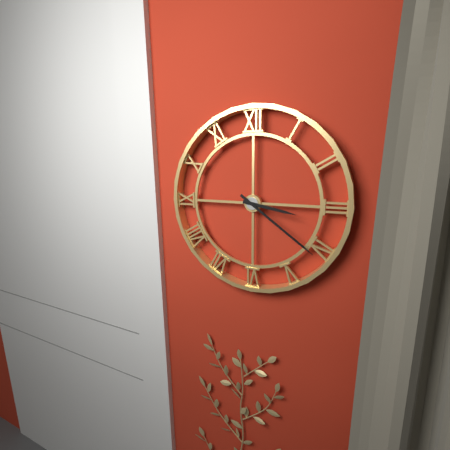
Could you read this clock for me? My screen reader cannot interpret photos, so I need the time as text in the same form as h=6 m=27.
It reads h=3 m=21
